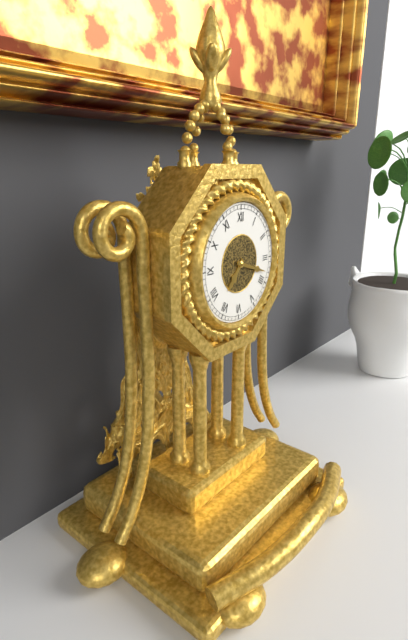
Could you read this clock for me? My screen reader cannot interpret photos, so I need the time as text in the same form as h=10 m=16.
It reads h=7 m=18
